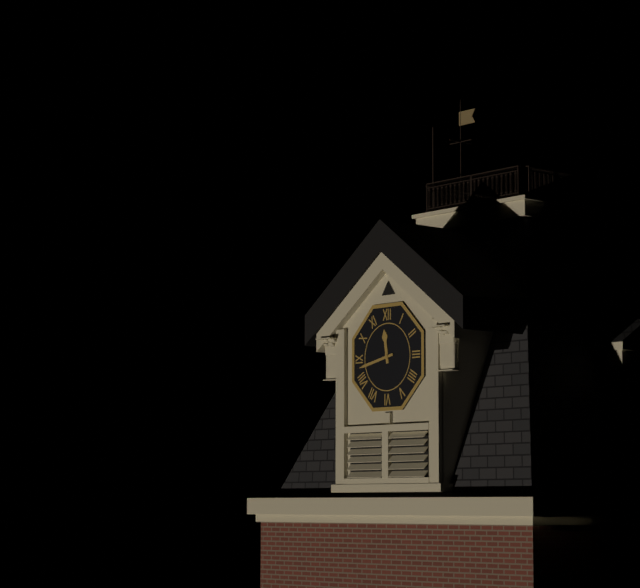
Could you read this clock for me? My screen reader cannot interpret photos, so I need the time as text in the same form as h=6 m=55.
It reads h=11 m=43
